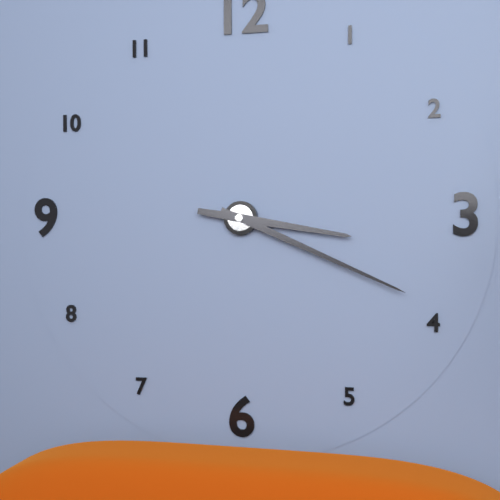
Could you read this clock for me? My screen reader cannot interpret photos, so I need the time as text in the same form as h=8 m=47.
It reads h=3 m=19
